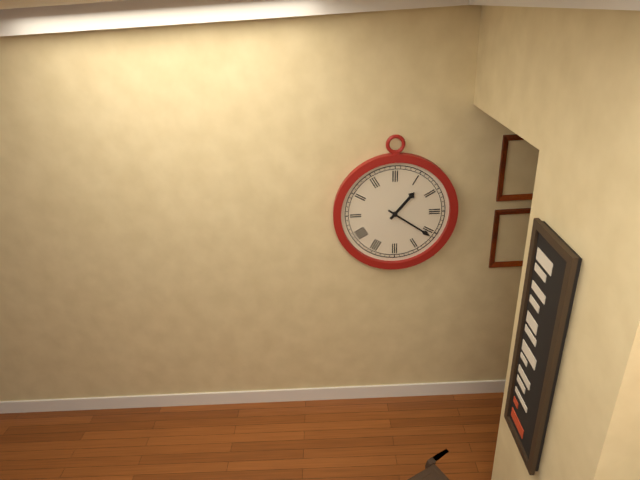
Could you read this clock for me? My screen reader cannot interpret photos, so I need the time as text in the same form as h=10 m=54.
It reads h=1 m=21
